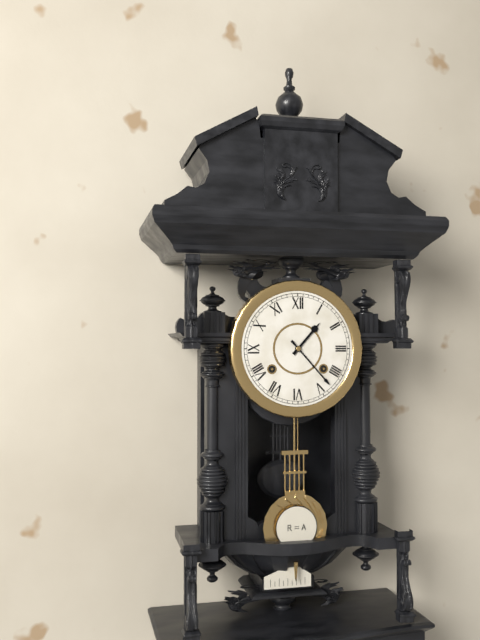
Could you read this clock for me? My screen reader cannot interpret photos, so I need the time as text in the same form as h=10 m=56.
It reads h=1 m=23
